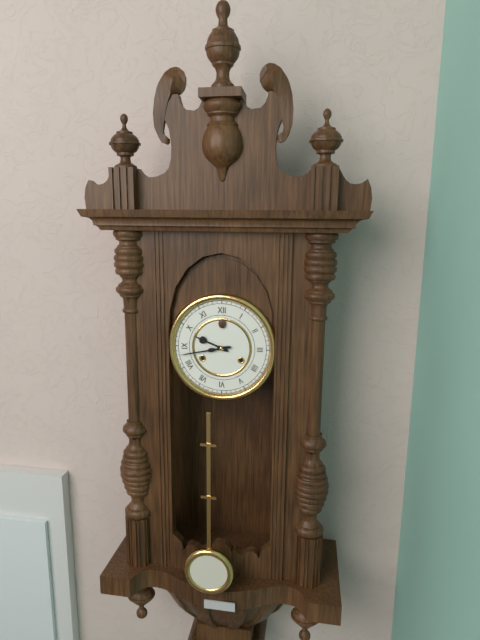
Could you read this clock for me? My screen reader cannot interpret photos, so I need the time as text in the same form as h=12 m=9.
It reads h=9 m=43
